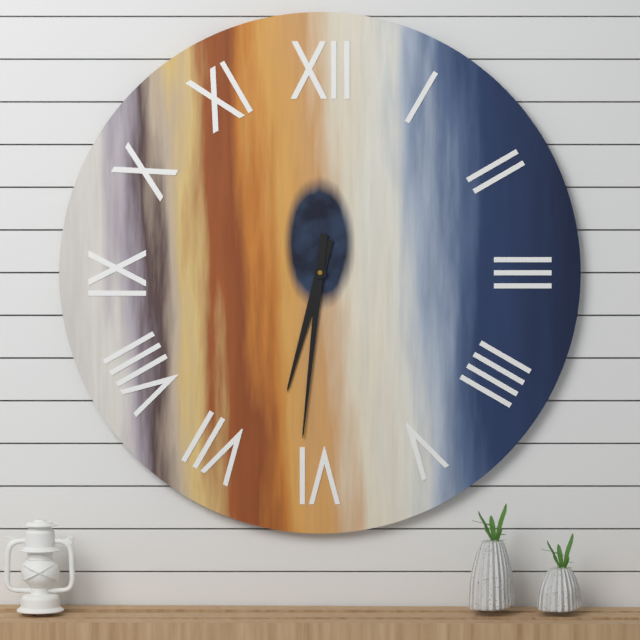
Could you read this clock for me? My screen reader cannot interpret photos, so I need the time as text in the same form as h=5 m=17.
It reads h=6 m=31
